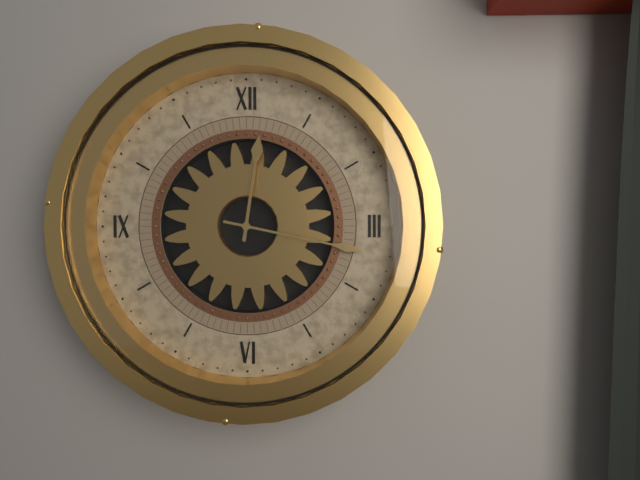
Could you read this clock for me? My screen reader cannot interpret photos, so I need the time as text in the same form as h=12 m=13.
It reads h=12 m=17
